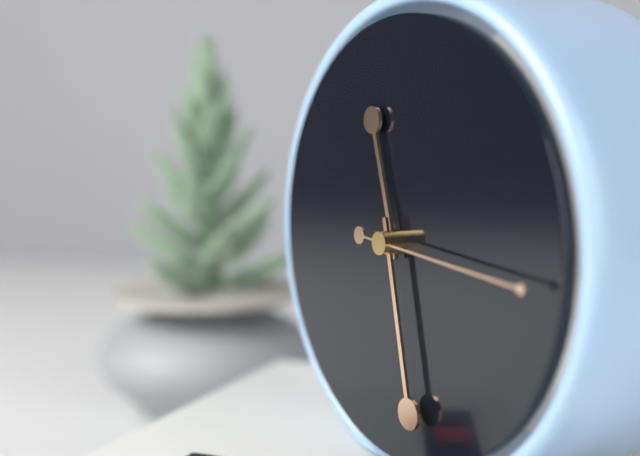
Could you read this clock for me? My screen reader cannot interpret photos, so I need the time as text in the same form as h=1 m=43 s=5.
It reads h=11 m=28 s=16
